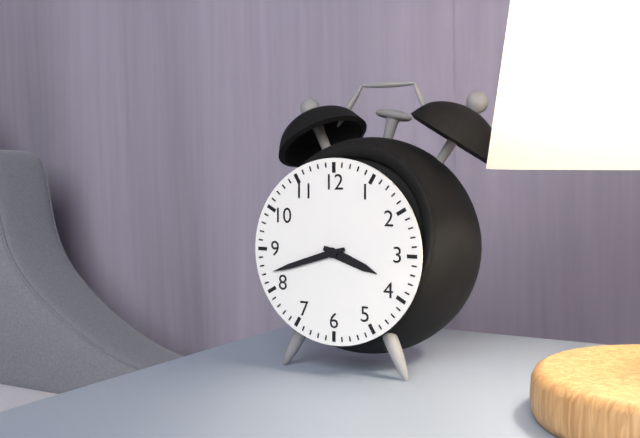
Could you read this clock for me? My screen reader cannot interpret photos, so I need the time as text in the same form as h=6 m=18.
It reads h=3 m=42
